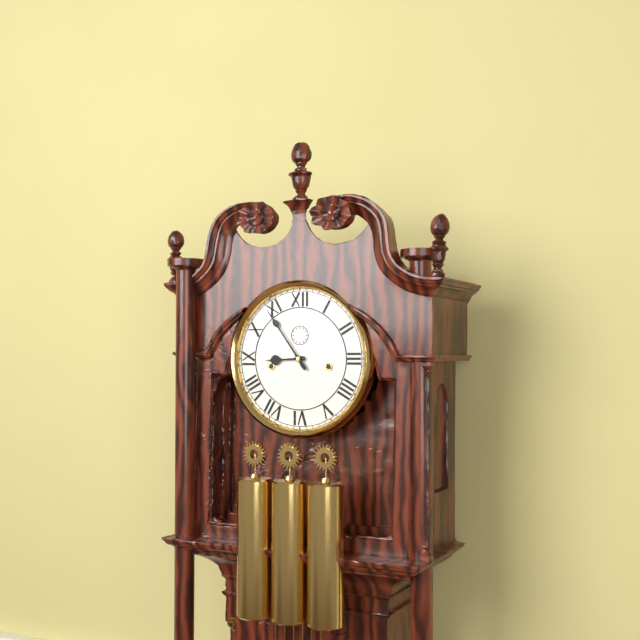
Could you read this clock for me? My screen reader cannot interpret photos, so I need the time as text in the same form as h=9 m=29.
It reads h=8 m=54
